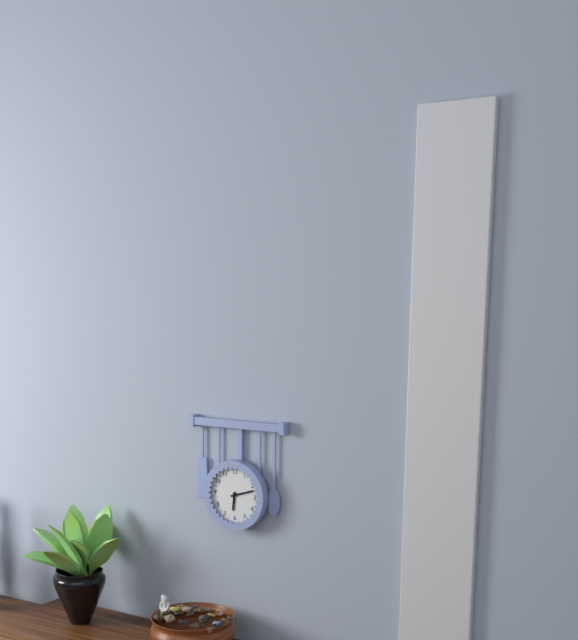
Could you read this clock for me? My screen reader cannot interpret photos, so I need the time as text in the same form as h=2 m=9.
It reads h=6 m=12
